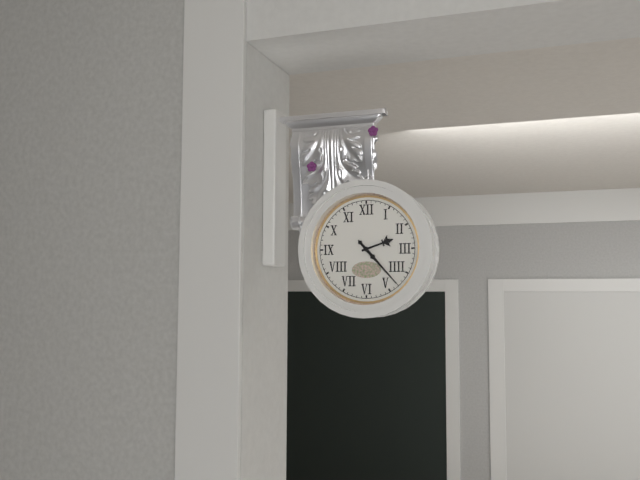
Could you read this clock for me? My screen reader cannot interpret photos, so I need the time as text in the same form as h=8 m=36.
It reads h=2 m=23
